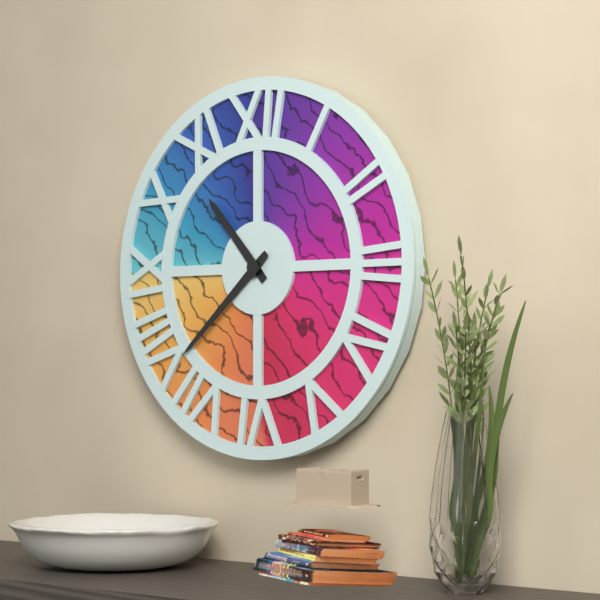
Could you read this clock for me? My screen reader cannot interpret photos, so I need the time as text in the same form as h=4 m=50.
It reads h=10 m=38
